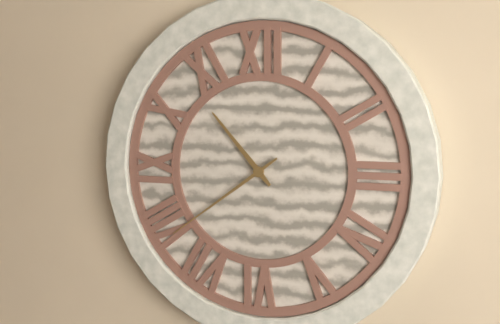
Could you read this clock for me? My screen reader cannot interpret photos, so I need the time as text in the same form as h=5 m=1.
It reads h=10 m=39
